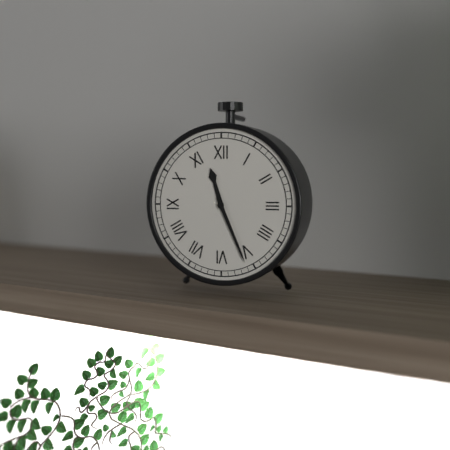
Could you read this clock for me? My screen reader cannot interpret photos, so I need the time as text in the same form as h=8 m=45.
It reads h=11 m=26
